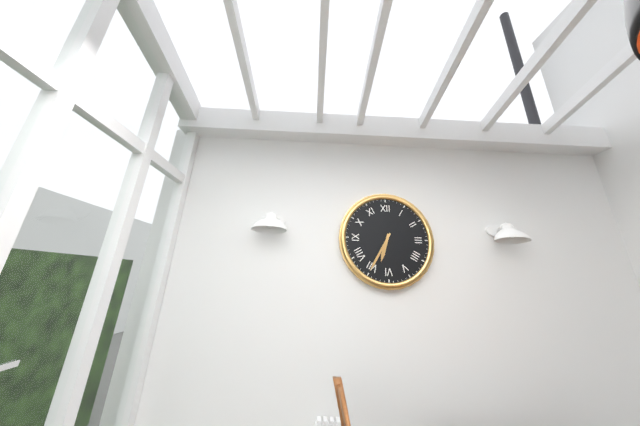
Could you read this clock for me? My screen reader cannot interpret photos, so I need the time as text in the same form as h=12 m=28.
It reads h=6 m=35
